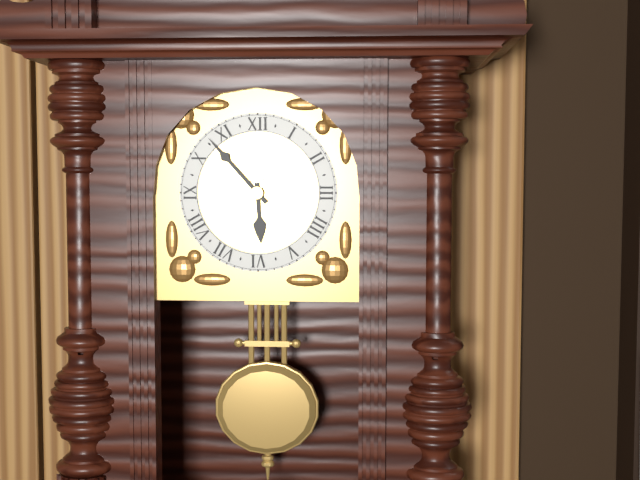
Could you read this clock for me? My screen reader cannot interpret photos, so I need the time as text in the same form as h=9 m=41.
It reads h=5 m=53
